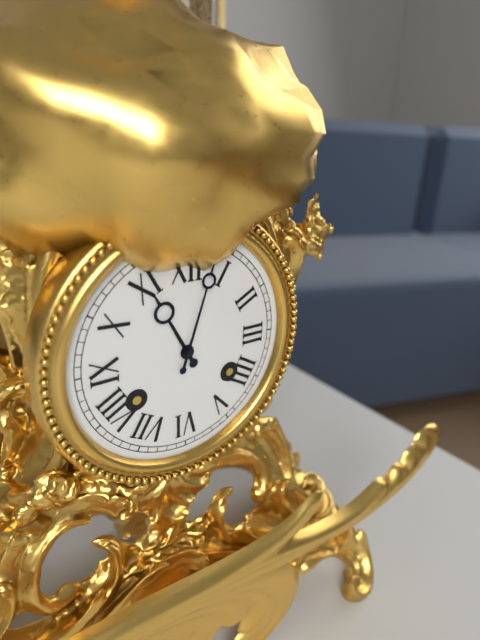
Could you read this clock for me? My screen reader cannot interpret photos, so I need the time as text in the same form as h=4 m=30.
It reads h=11 m=3
